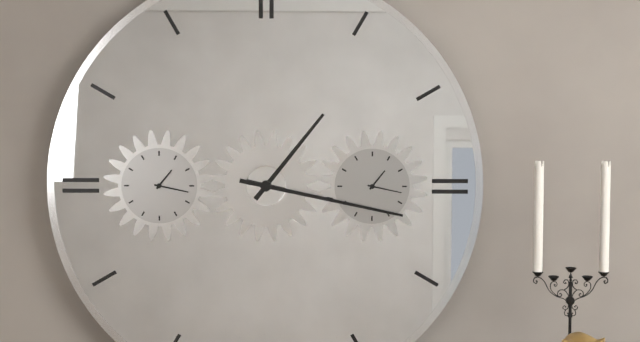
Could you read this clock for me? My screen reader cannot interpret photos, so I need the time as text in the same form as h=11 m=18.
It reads h=1 m=17
